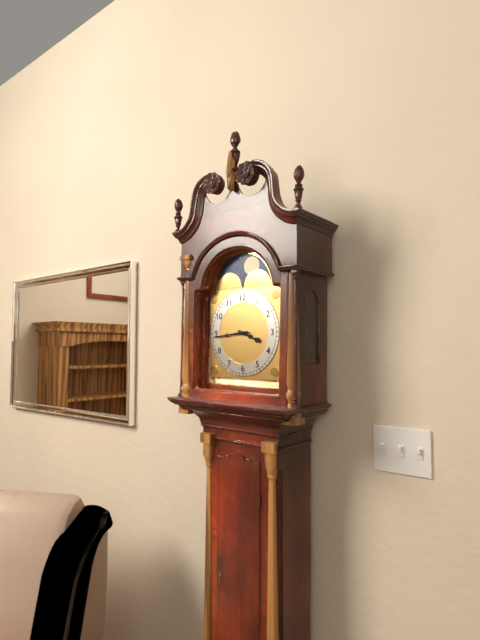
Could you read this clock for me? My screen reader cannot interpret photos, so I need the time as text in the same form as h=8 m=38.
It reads h=3 m=44
